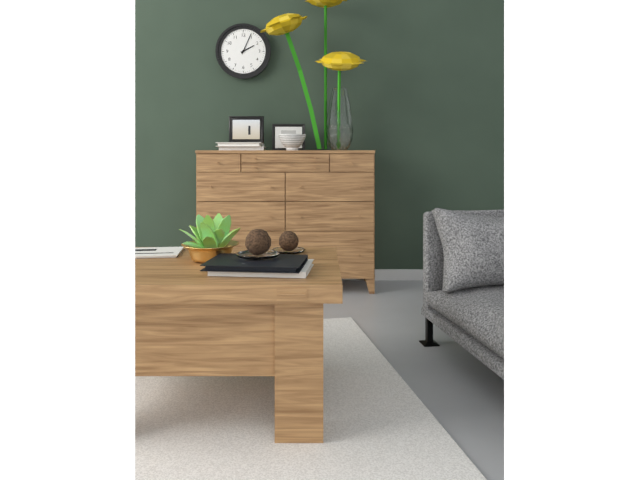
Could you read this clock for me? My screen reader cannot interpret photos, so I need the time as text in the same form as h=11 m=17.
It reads h=2 m=4
